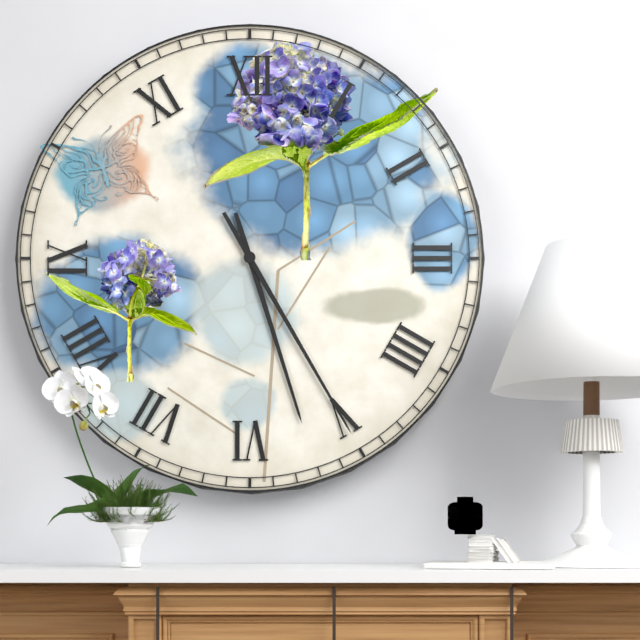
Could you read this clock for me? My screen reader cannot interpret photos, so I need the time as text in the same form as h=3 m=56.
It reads h=5 m=25
